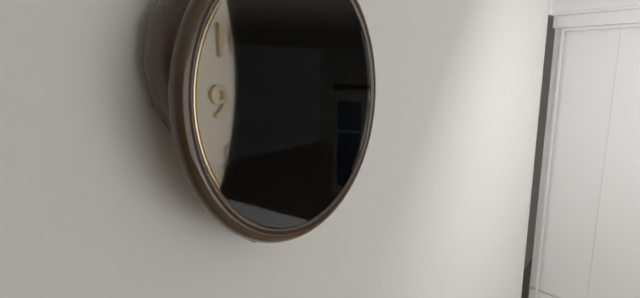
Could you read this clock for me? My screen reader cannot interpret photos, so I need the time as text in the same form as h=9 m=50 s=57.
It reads h=6 m=51 s=14
